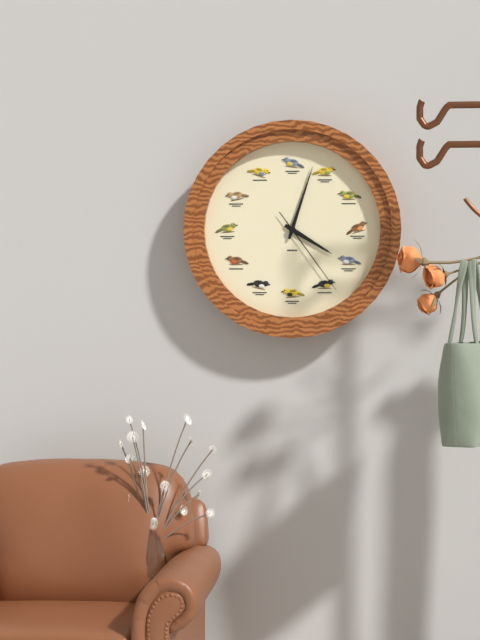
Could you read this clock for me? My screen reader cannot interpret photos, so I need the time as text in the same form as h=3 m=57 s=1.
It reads h=4 m=3 s=24
